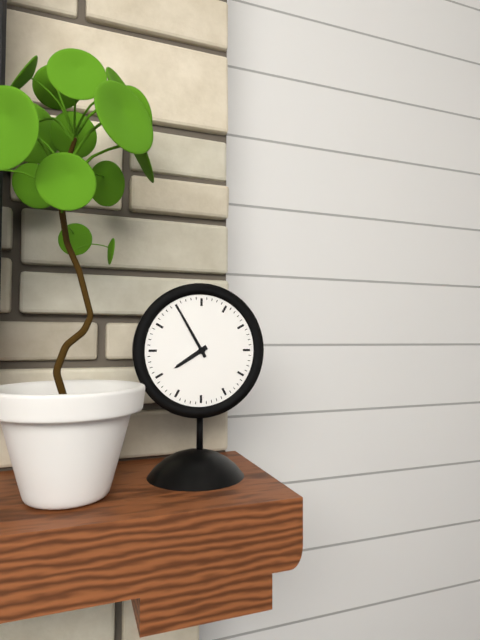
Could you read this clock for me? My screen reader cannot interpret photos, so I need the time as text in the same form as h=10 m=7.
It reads h=7 m=55
